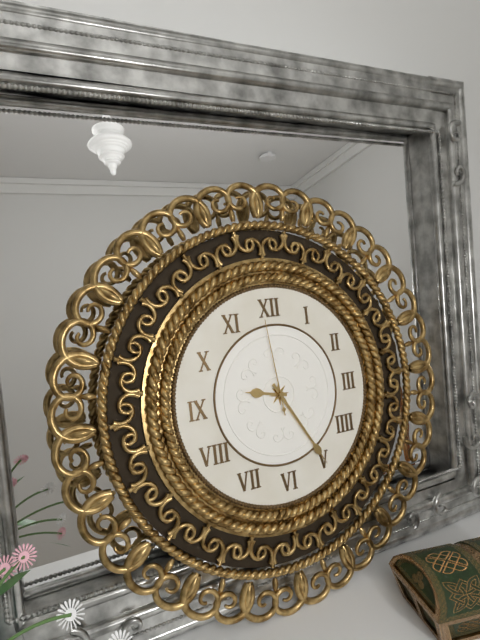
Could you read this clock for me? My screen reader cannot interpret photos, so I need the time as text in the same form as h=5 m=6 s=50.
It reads h=9 m=25 s=59
